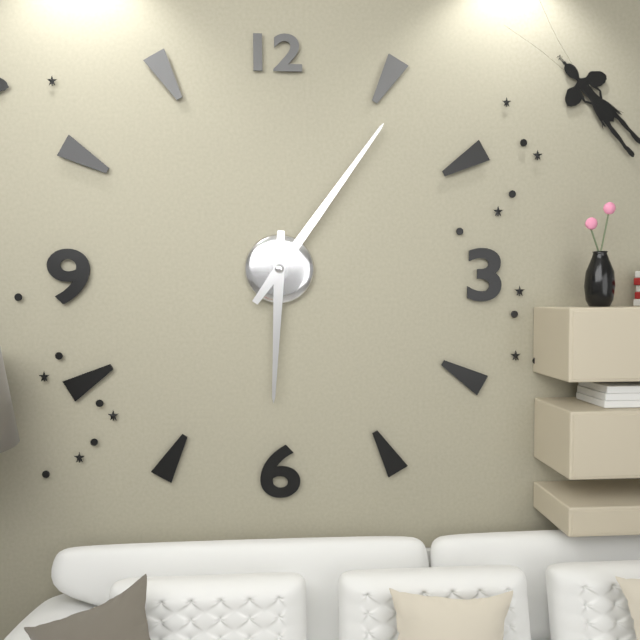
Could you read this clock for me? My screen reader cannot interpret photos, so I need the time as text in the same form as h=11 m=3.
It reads h=6 m=6
